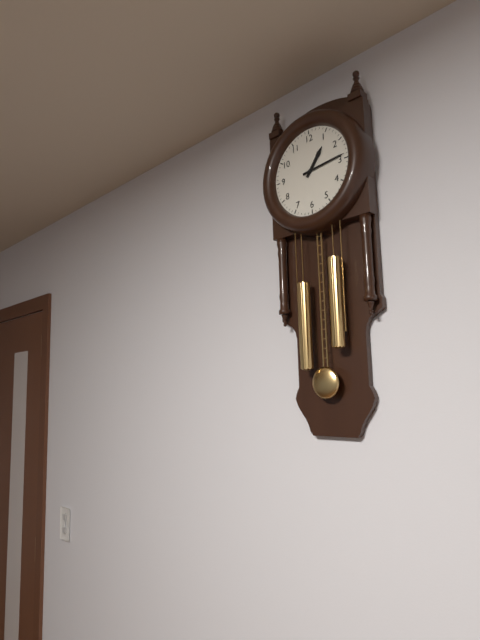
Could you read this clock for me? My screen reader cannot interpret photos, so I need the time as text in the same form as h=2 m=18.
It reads h=1 m=14
